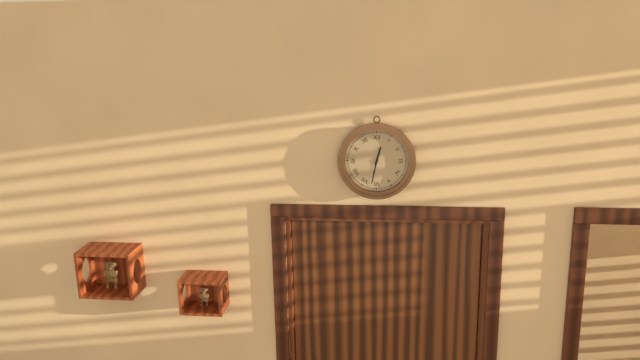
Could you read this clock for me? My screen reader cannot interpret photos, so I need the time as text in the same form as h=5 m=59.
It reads h=12 m=32
